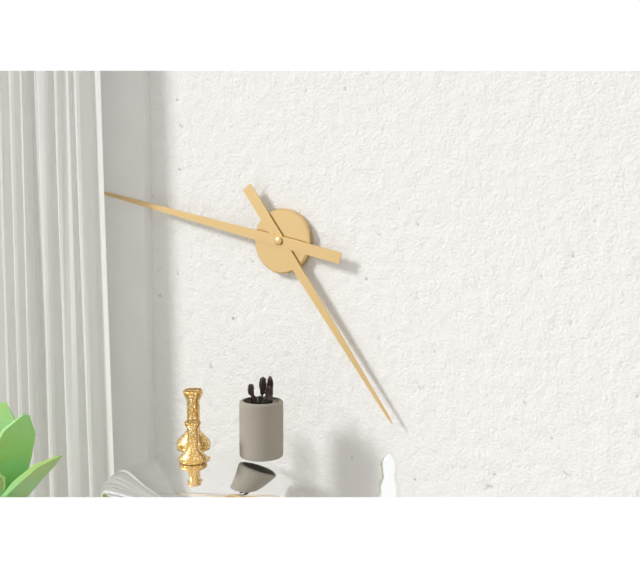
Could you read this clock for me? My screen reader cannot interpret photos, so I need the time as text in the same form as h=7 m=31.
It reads h=4 m=47
